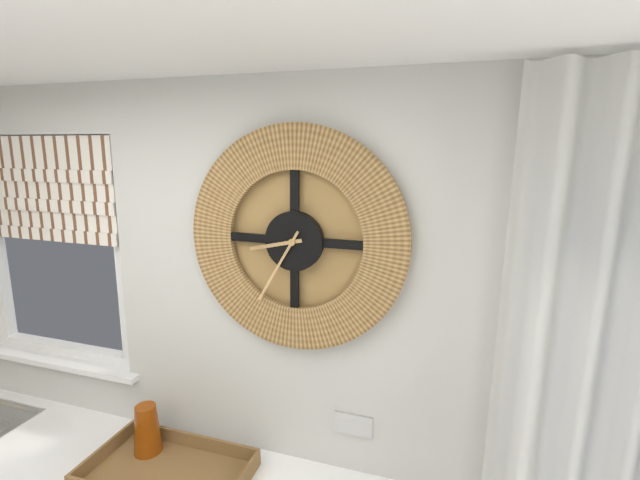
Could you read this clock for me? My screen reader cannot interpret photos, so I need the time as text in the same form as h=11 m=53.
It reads h=8 m=35
